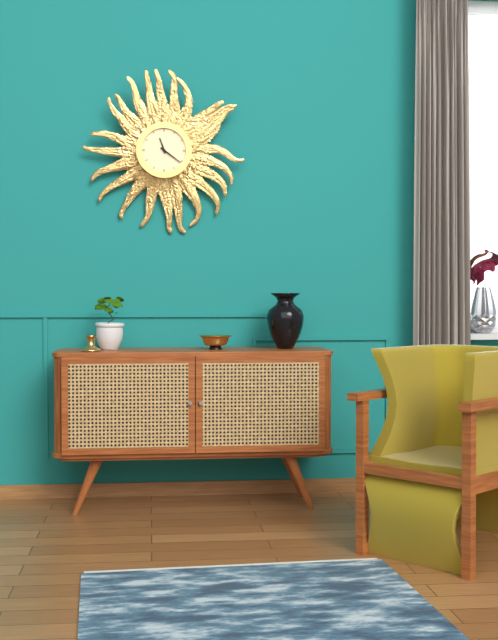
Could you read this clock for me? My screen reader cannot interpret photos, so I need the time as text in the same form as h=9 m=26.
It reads h=11 m=21
